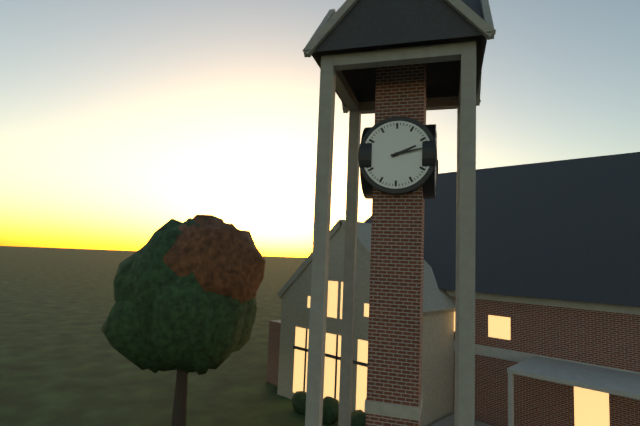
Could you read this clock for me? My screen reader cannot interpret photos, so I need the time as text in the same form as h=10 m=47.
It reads h=2 m=13
